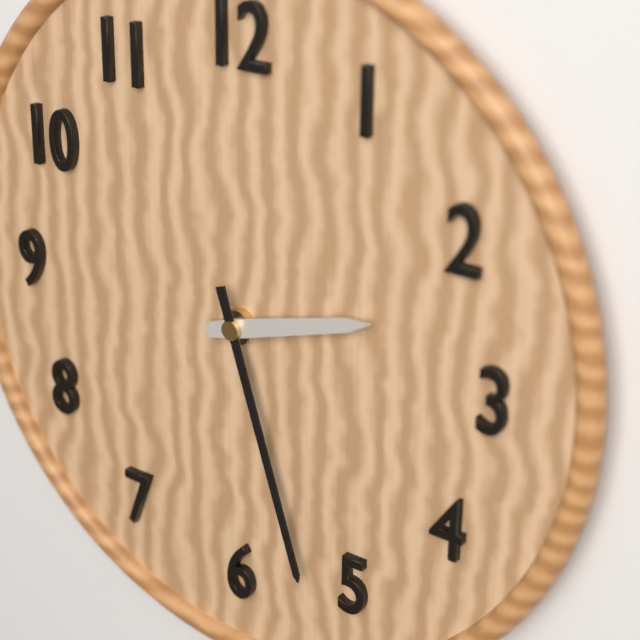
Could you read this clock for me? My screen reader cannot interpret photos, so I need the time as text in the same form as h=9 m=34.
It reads h=2 m=27
